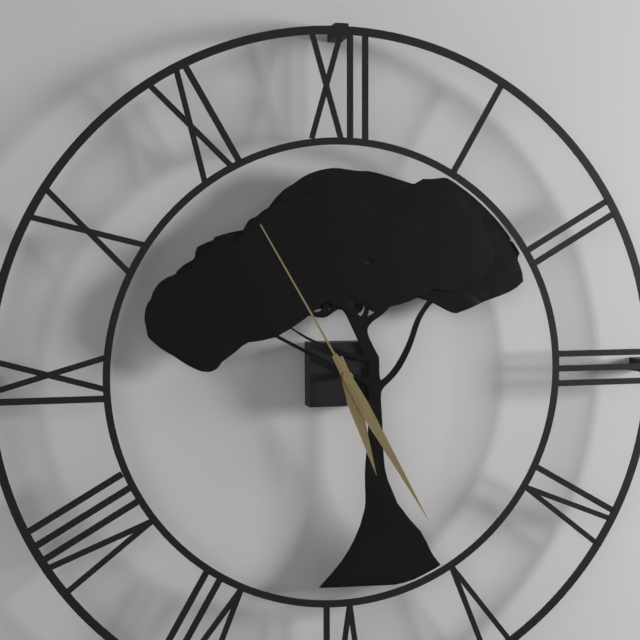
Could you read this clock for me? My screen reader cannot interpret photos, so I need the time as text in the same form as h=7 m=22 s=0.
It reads h=5 m=25 s=55
